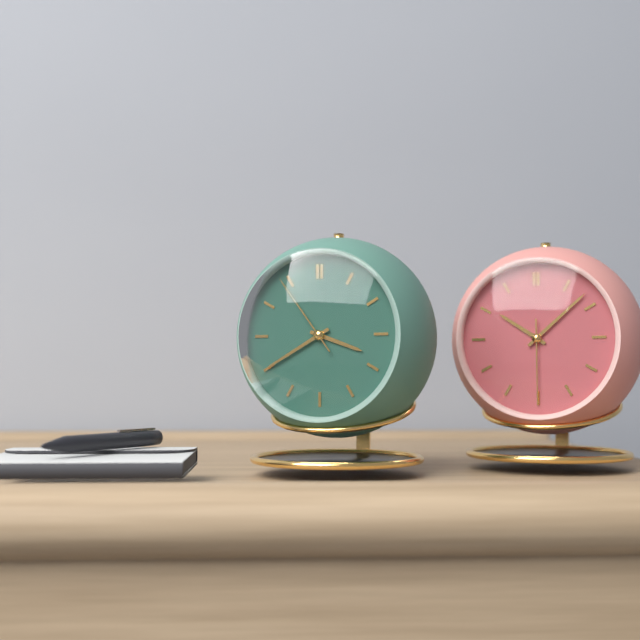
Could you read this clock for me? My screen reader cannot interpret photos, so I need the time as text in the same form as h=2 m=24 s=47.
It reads h=3 m=40 s=54
